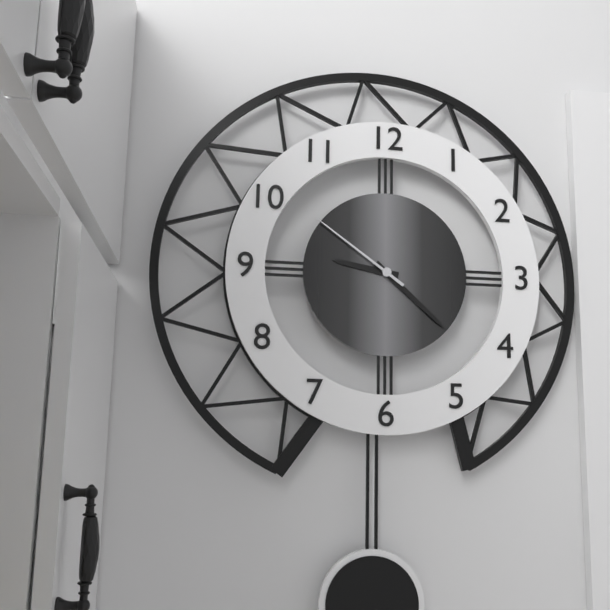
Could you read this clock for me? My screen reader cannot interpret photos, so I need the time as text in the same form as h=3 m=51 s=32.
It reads h=9 m=22 s=51
